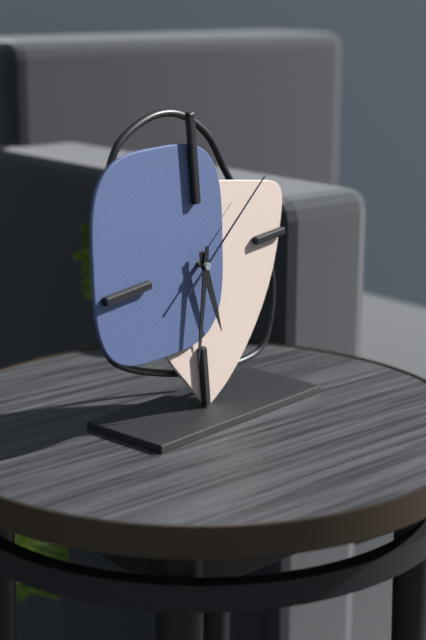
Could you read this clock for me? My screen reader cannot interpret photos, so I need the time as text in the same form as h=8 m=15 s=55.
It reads h=5 m=32 s=9
